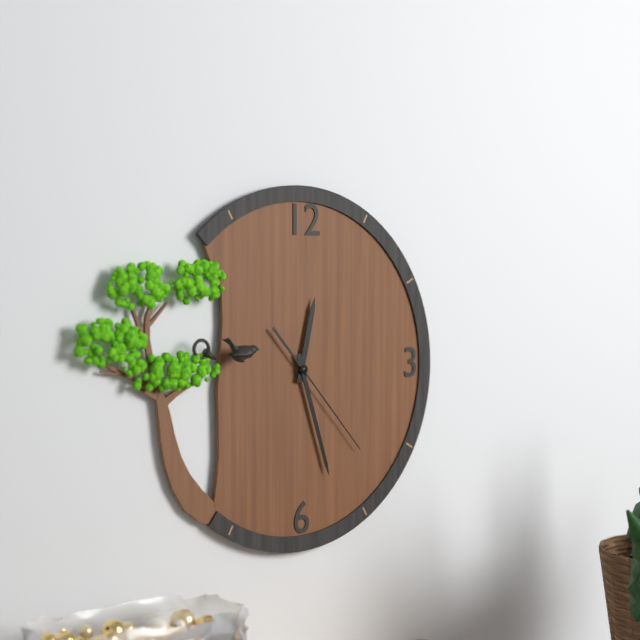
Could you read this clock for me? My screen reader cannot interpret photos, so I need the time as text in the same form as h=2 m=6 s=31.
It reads h=12 m=27 s=23
